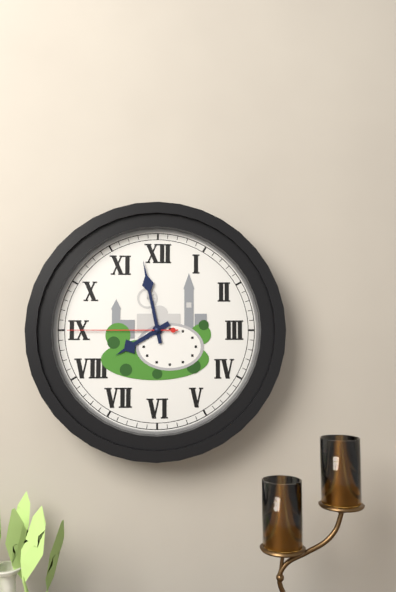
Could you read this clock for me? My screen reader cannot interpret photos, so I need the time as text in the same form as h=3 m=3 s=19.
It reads h=7 m=58 s=45
